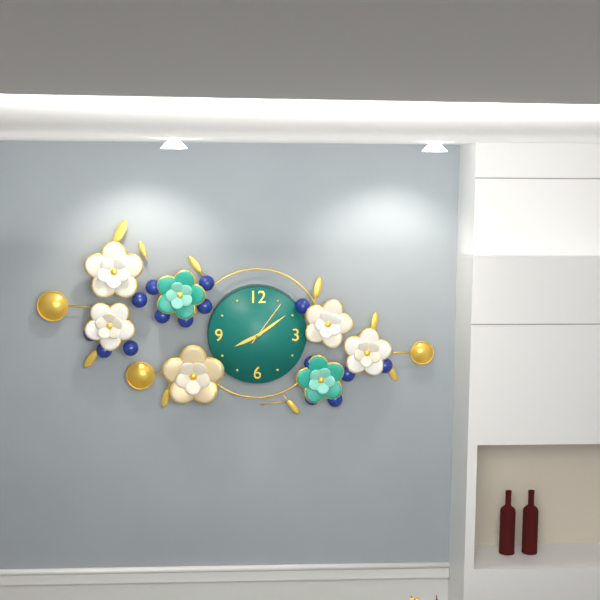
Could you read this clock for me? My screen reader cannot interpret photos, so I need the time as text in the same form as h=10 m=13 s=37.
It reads h=8 m=9 s=6
